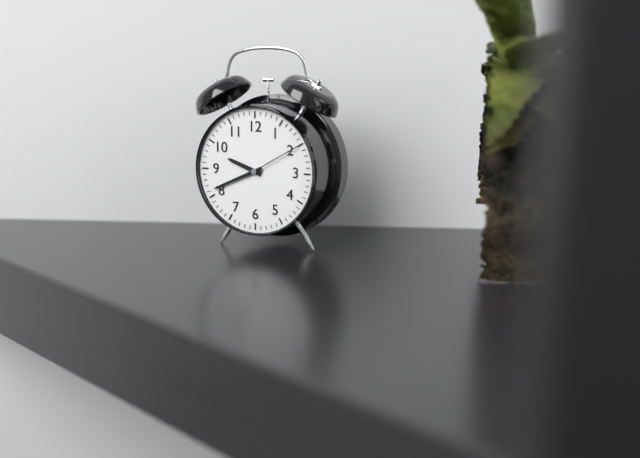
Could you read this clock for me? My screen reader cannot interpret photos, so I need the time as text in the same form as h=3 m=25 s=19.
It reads h=9 m=41 s=10
